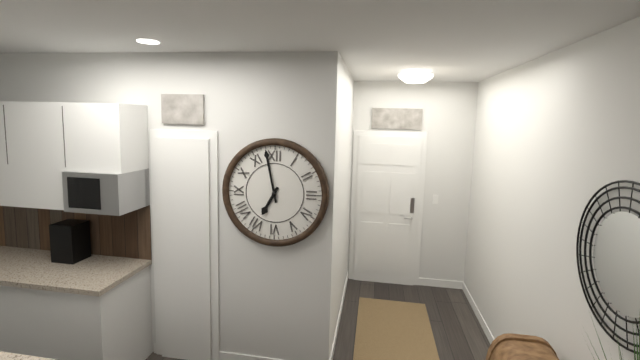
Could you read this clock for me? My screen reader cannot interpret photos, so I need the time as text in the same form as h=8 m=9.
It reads h=6 m=58
